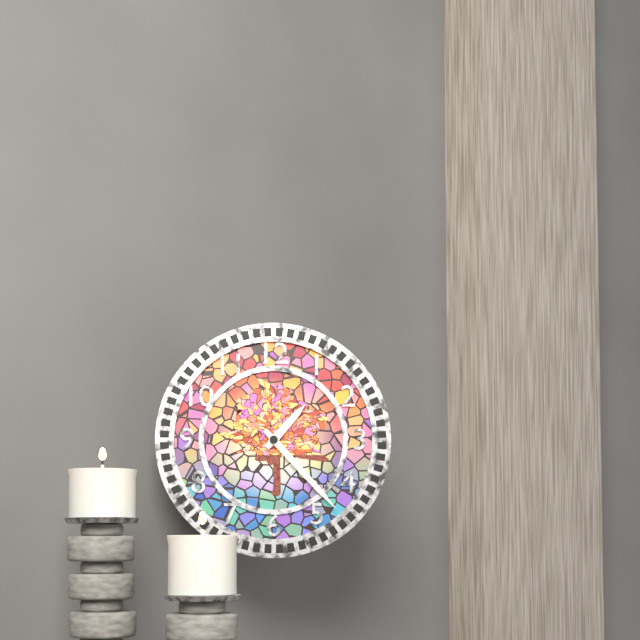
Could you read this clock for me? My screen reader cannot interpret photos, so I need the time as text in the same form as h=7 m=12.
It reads h=1 m=23
